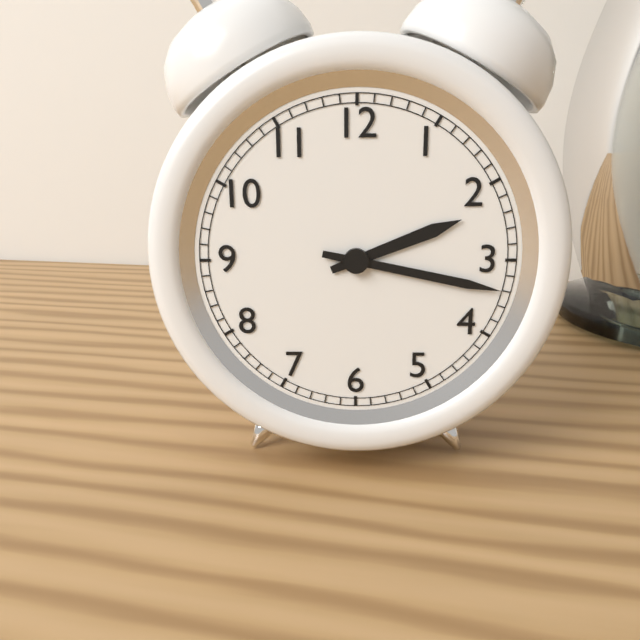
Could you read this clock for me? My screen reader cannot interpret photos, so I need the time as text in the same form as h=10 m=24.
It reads h=2 m=17
